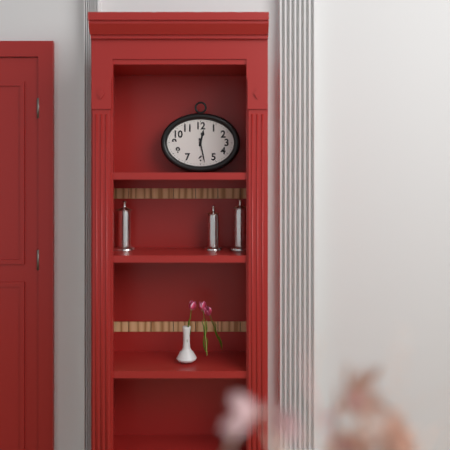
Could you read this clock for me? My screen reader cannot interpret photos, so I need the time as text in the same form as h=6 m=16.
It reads h=12 m=28
